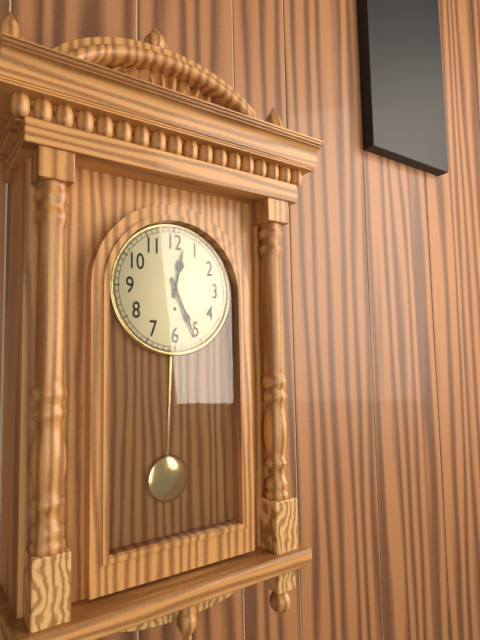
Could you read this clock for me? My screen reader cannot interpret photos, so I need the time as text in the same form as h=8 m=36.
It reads h=12 m=26
